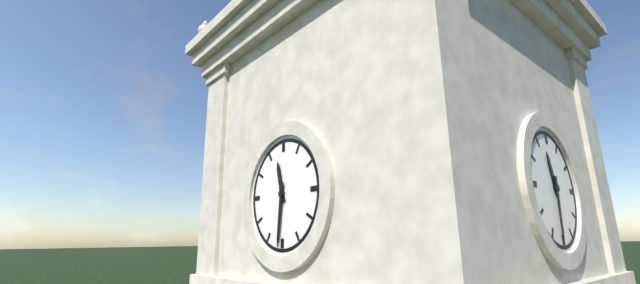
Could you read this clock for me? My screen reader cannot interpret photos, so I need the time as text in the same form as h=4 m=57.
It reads h=11 m=31
